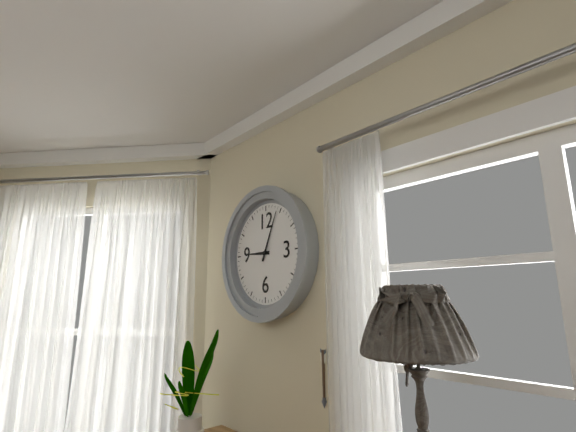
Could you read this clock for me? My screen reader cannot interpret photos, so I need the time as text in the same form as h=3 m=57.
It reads h=9 m=4
